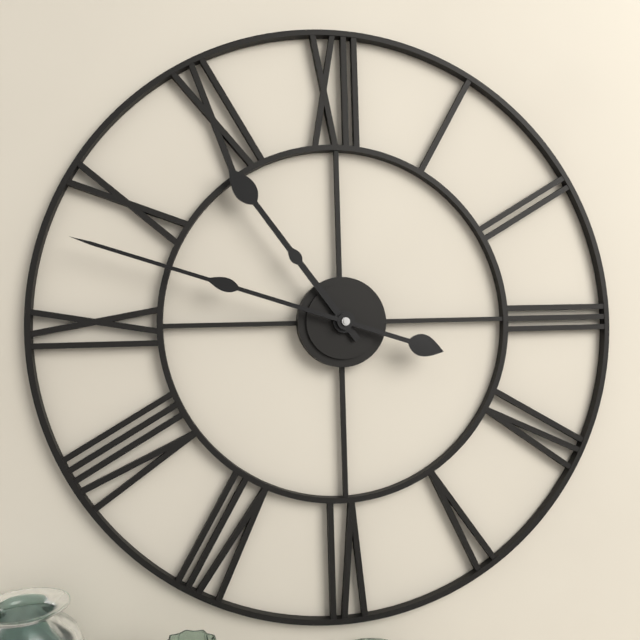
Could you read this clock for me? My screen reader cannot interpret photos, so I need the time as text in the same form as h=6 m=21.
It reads h=10 m=48
